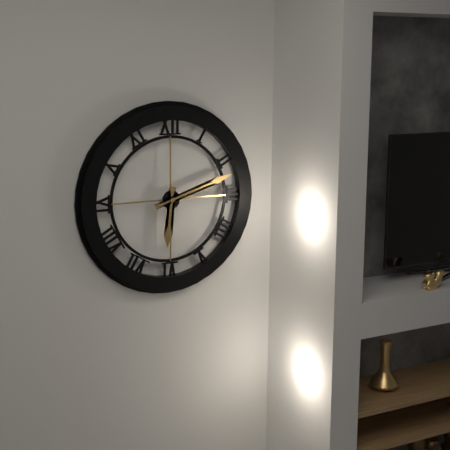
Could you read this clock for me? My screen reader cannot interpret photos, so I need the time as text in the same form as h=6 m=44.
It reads h=6 m=12
